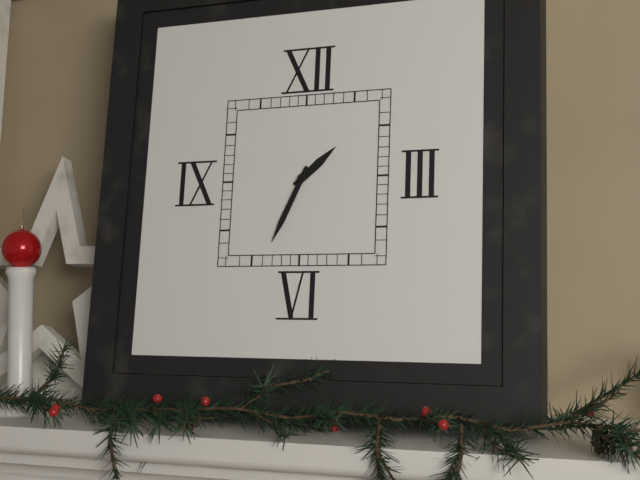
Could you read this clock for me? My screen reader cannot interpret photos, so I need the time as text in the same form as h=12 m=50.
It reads h=1 m=34
